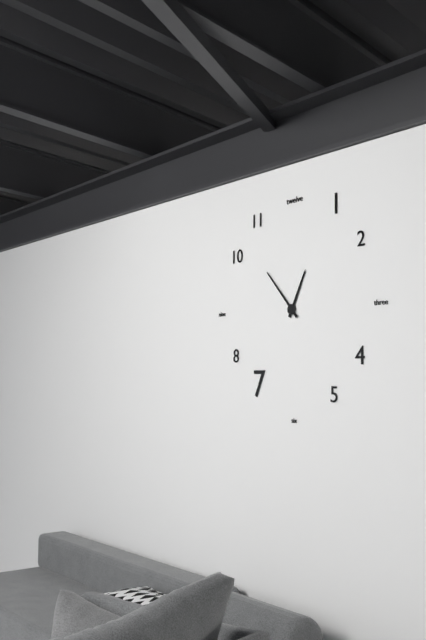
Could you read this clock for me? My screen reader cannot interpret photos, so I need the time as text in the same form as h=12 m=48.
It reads h=12 m=53
